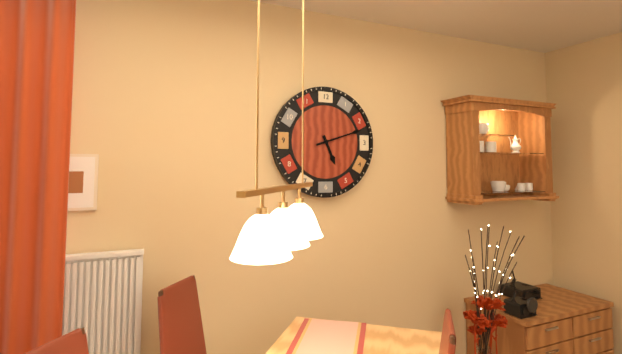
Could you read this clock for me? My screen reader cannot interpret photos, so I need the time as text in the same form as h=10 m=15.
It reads h=5 m=12
